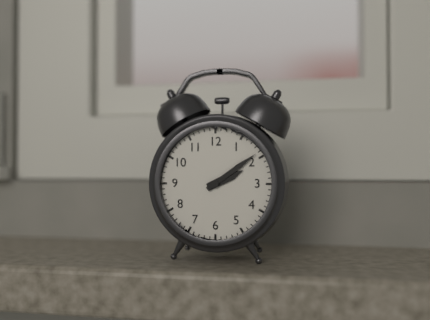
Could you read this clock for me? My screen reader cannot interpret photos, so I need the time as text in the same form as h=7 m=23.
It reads h=2 m=9
